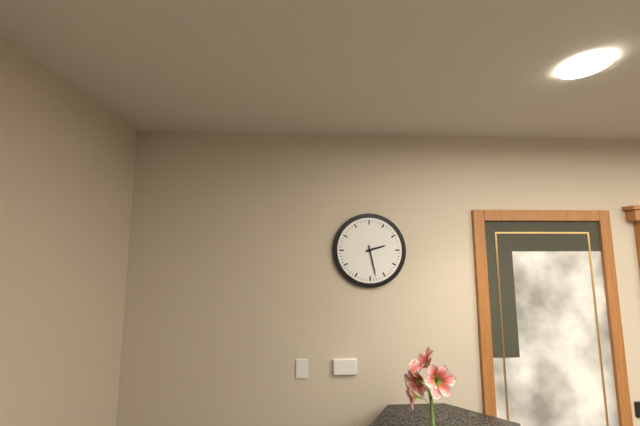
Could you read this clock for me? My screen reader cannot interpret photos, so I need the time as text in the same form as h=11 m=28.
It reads h=2 m=28
